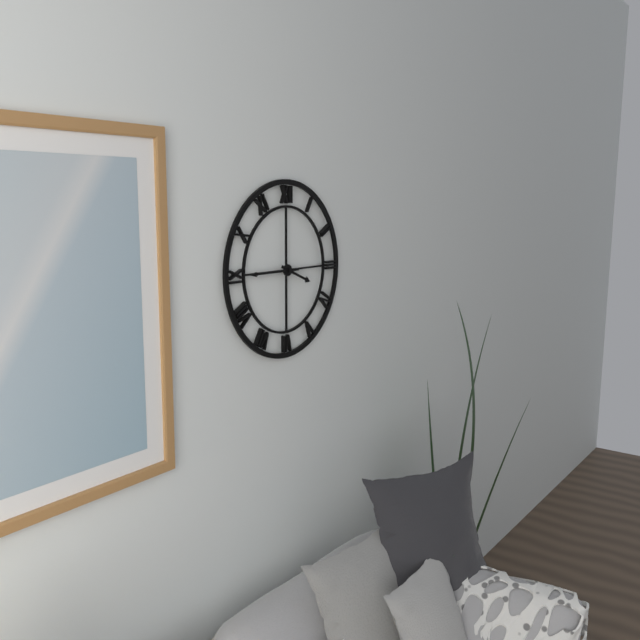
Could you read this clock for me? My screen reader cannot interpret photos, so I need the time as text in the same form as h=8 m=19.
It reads h=3 m=45
